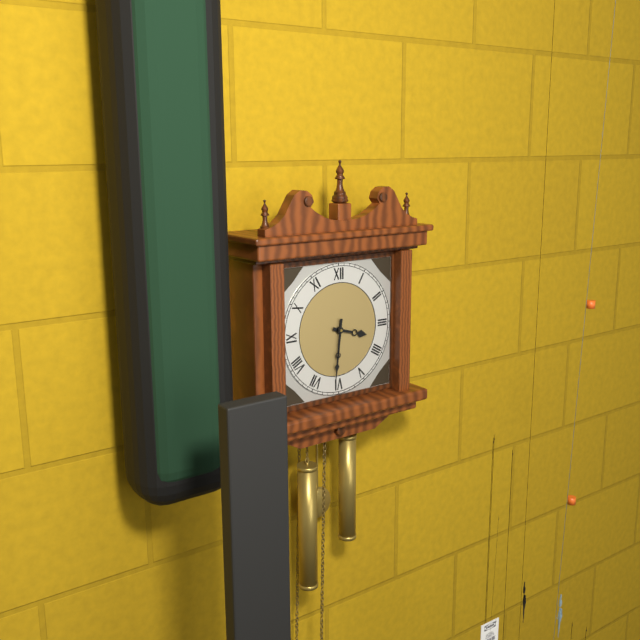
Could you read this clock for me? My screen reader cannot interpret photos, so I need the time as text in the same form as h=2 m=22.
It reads h=3 m=31
